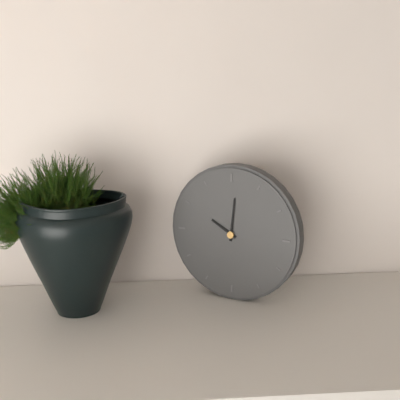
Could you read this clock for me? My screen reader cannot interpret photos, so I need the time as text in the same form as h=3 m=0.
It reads h=10 m=1
